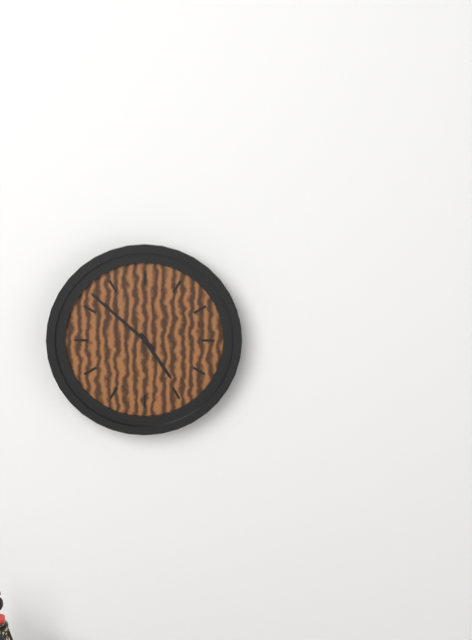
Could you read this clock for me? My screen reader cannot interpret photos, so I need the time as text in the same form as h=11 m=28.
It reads h=4 m=52
